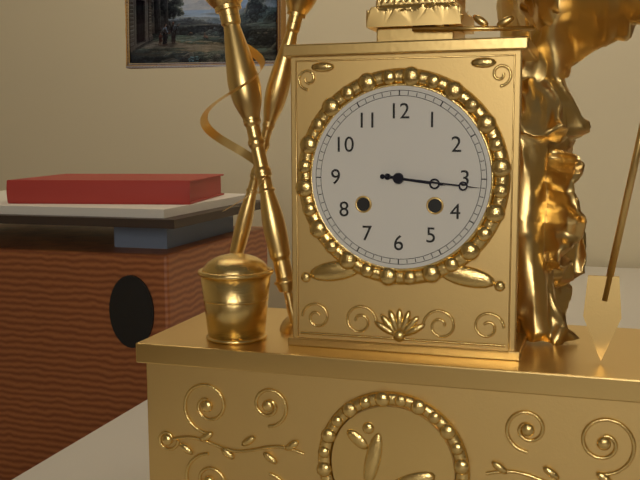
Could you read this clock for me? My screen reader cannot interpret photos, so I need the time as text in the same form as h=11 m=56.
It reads h=3 m=16
